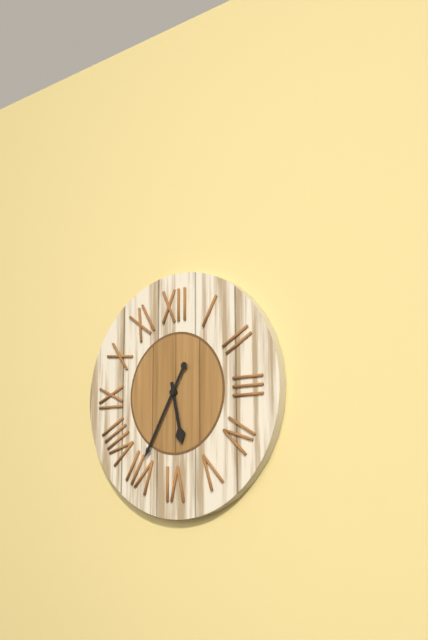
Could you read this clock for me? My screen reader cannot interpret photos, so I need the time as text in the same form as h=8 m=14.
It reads h=5 m=35
